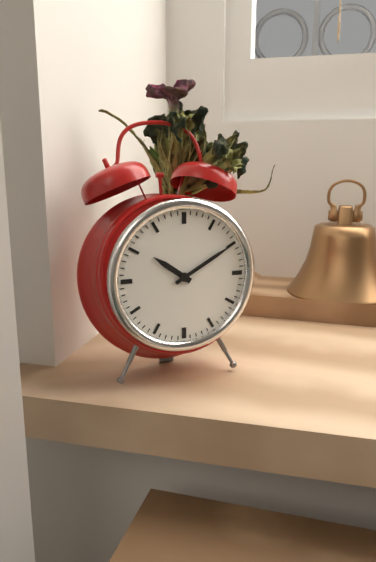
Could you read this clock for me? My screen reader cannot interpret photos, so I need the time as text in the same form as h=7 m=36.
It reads h=10 m=10
